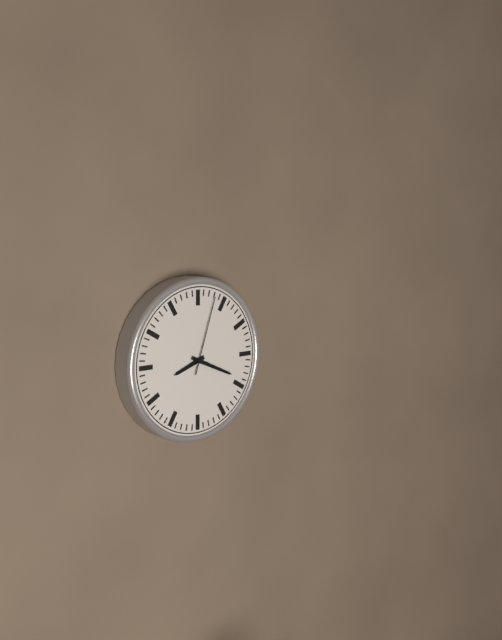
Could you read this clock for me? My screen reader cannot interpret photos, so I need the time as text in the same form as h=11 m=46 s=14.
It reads h=8 m=19 s=3
